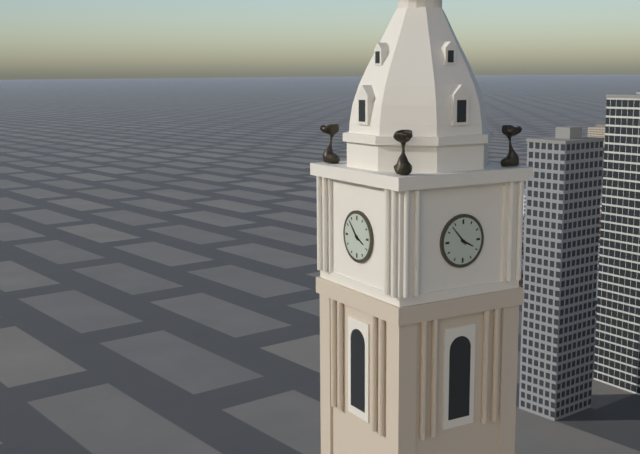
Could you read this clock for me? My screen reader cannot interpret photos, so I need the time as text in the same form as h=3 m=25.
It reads h=3 m=53
